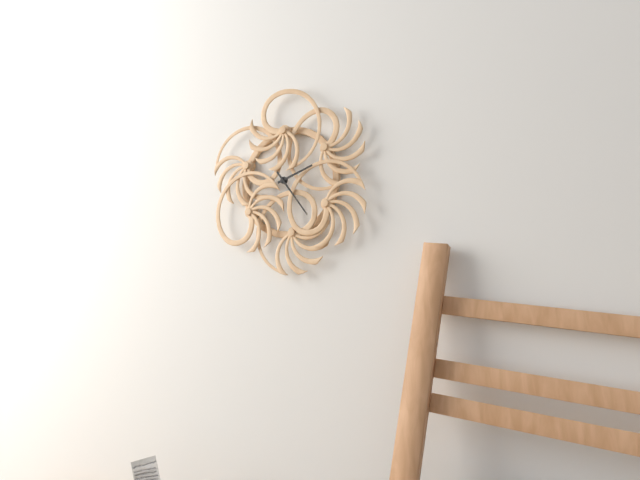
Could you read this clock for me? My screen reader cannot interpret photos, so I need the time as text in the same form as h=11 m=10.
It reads h=2 m=24
